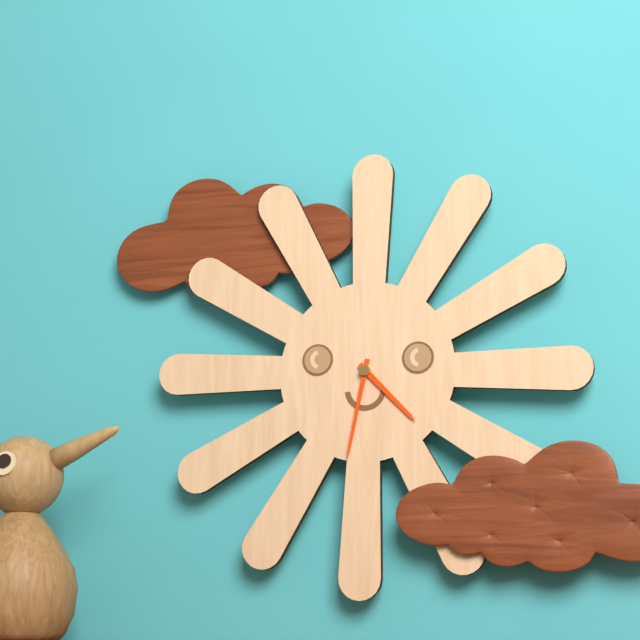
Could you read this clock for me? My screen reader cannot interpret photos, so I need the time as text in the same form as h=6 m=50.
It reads h=4 m=32
